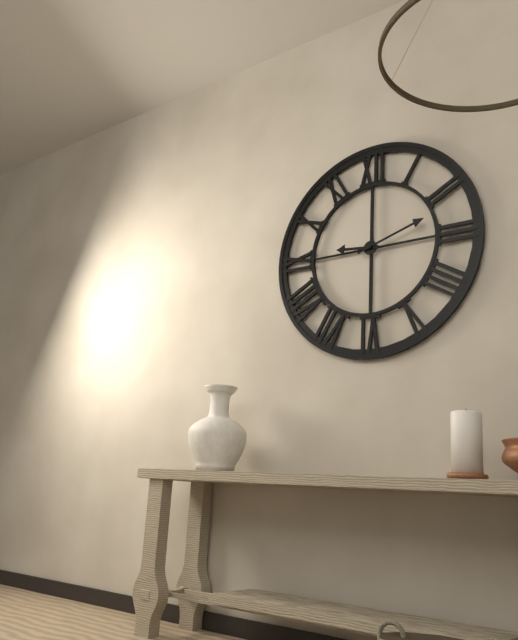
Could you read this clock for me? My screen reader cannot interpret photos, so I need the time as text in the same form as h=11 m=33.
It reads h=9 m=12
